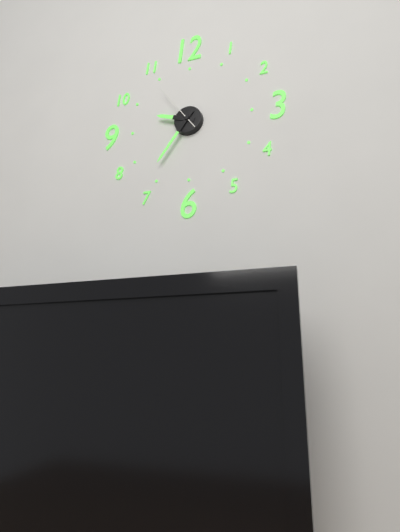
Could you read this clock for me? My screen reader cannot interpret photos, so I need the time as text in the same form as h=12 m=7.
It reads h=9 m=36
